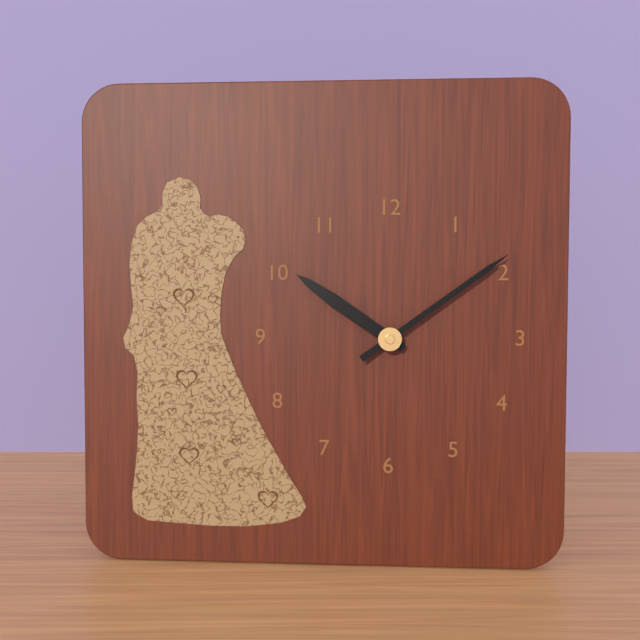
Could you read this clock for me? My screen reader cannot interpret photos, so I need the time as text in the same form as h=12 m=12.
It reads h=10 m=9
